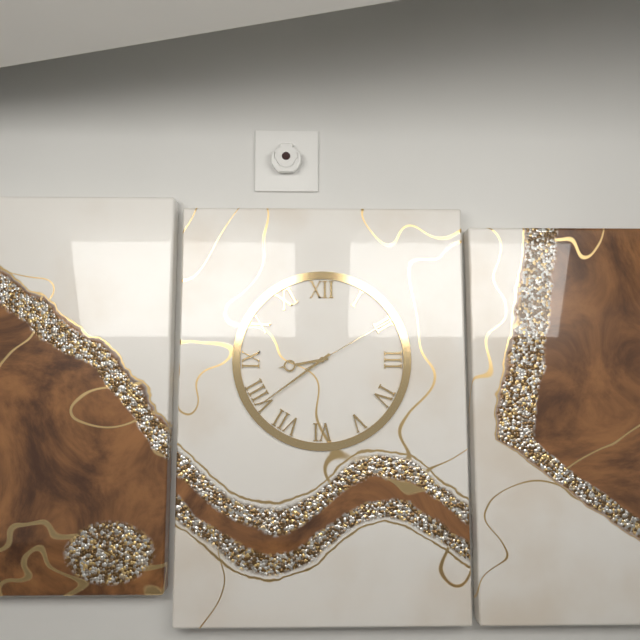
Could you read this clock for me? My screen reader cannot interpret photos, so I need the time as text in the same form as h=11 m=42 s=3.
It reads h=8 m=39 s=10
